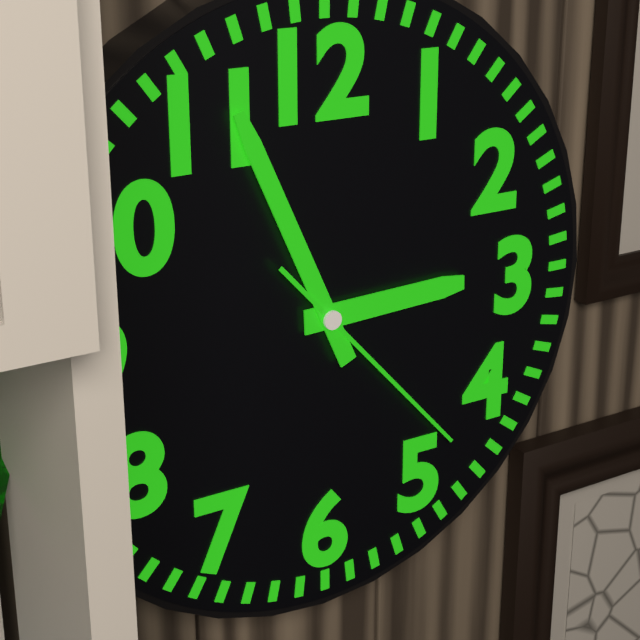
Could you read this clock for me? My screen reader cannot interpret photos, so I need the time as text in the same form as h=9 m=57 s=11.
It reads h=2 m=56 s=23
